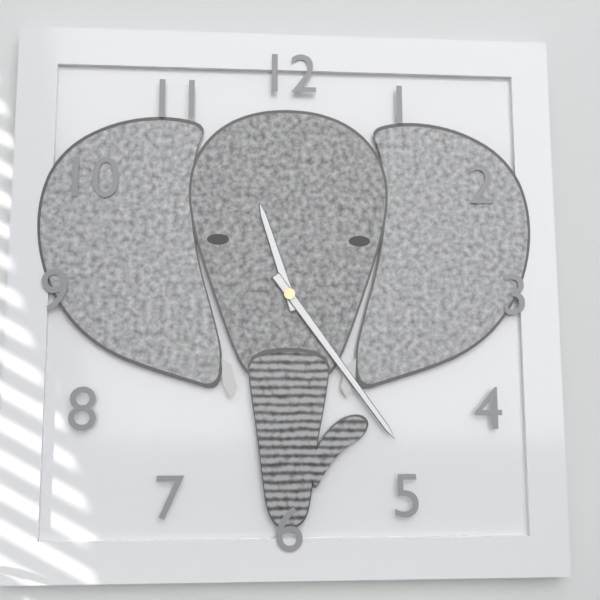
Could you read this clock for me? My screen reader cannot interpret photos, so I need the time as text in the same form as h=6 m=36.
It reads h=11 m=24
